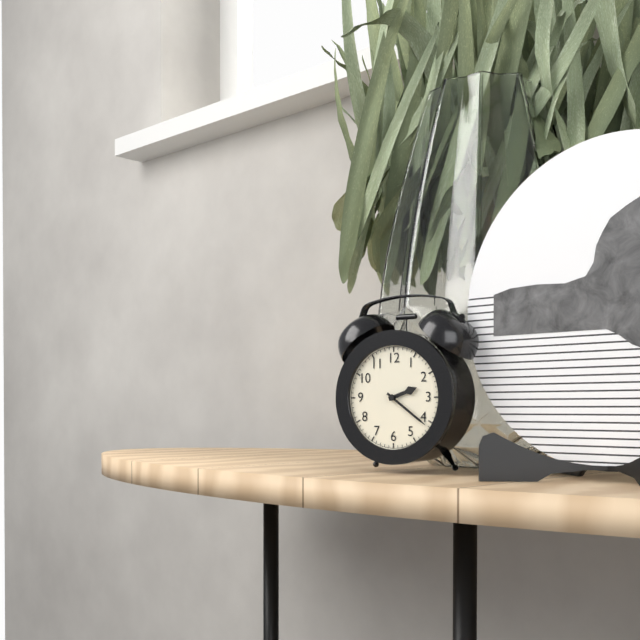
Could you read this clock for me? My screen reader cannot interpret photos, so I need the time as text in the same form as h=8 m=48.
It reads h=2 m=21
